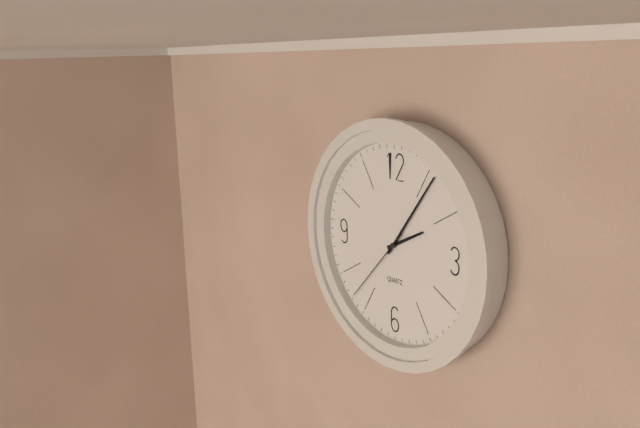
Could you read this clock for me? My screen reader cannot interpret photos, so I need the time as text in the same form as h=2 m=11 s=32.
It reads h=2 m=6 s=37
